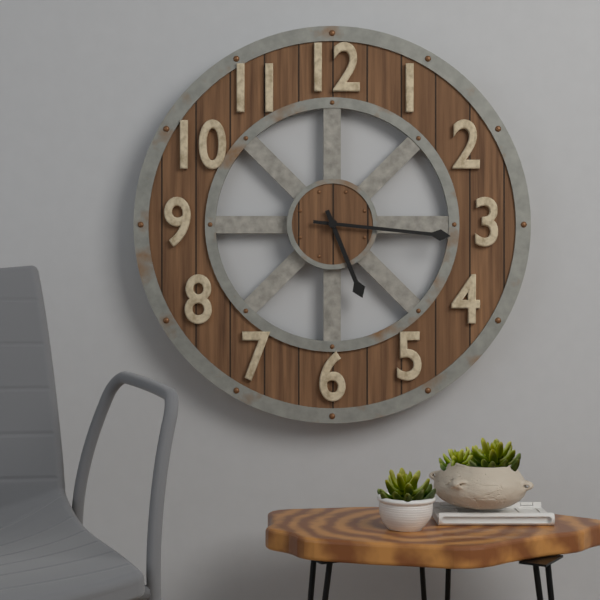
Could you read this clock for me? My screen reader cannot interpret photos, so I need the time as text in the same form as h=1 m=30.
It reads h=5 m=16
